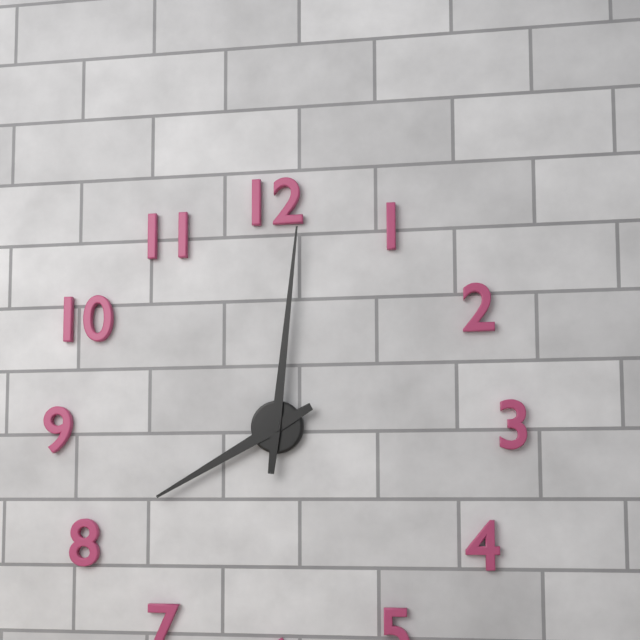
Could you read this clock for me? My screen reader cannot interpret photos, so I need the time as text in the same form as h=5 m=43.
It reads h=8 m=1
